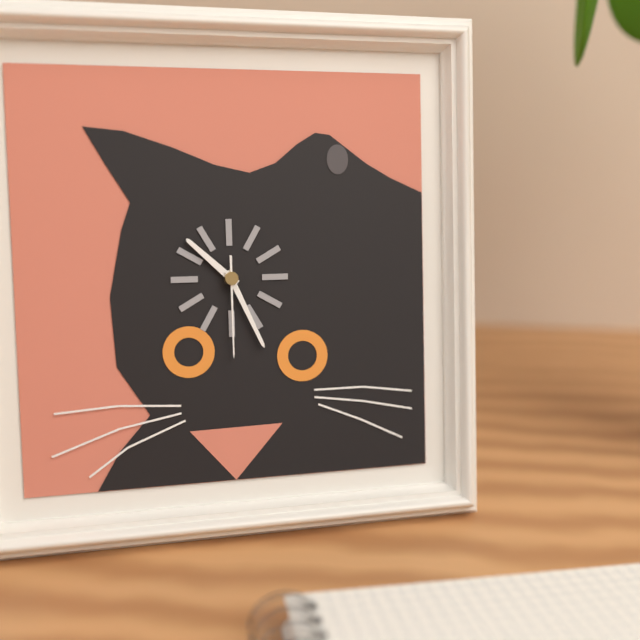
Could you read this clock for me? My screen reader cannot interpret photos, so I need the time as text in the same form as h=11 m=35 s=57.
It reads h=10 m=26 s=30
